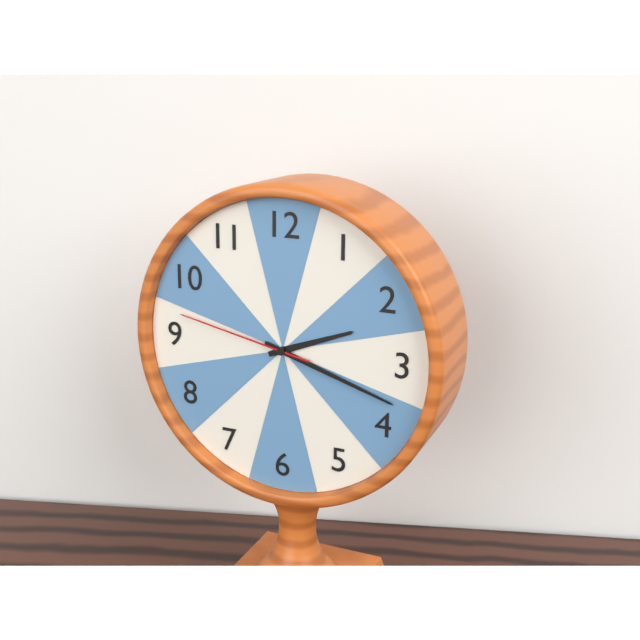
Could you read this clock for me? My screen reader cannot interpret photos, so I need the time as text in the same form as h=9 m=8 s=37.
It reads h=2 m=18 s=47
